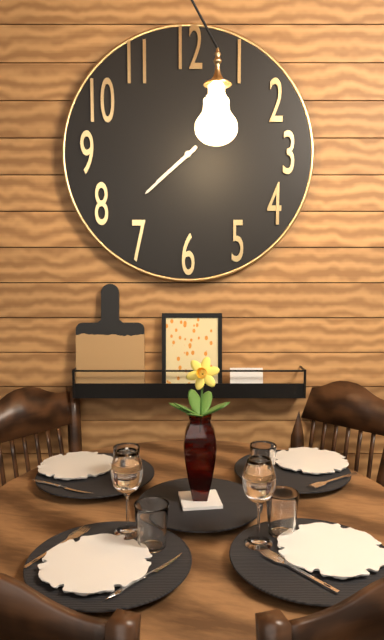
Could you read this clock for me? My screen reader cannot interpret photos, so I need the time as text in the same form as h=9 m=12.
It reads h=7 m=38
